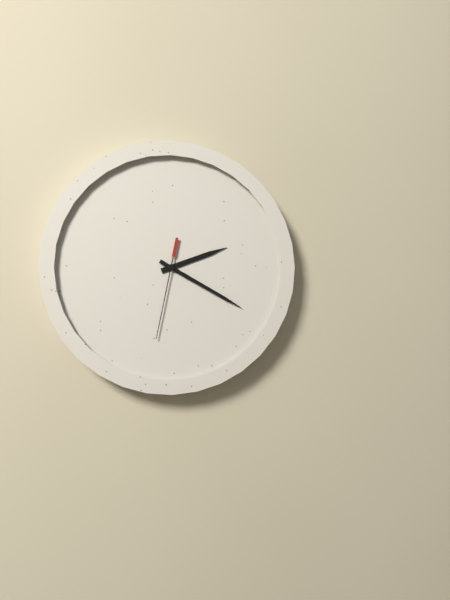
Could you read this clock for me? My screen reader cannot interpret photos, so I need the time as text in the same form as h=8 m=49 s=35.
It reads h=2 m=20 s=32
